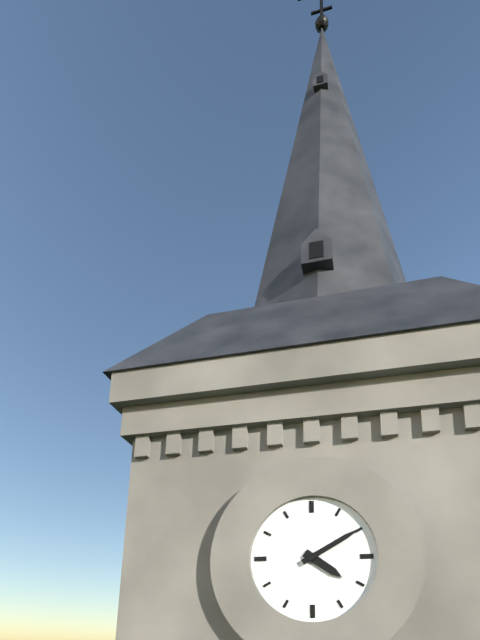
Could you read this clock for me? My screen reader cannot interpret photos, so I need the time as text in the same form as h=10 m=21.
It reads h=4 m=10
